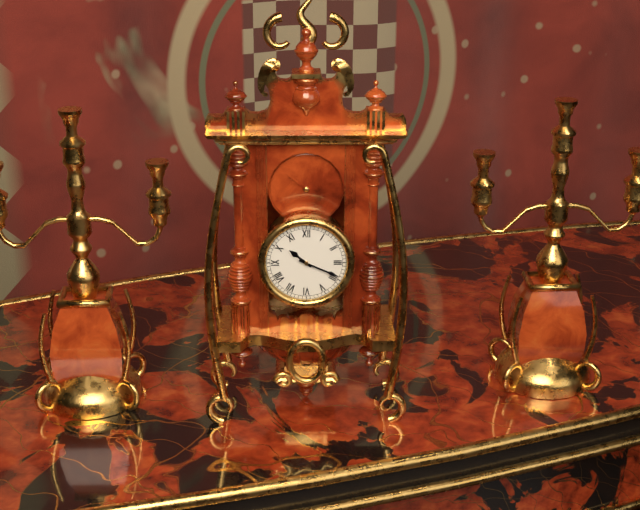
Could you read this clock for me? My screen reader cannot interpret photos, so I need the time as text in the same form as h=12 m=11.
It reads h=10 m=19
